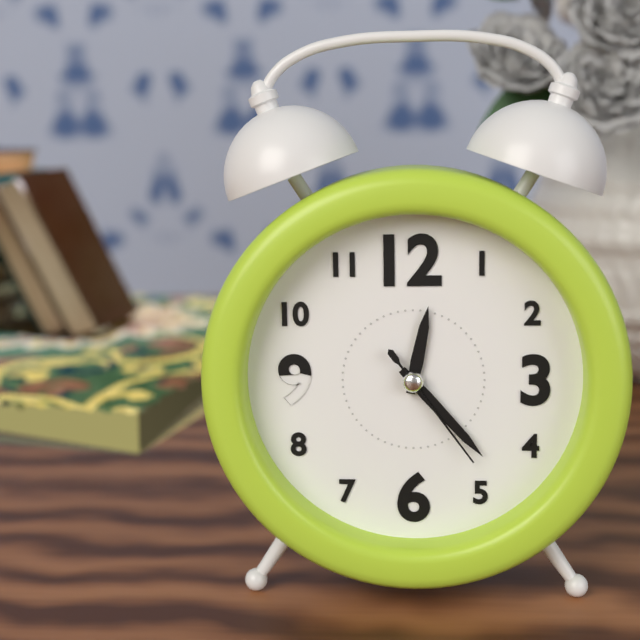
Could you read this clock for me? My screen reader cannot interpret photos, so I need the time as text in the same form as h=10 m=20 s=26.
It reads h=12 m=23 s=24
